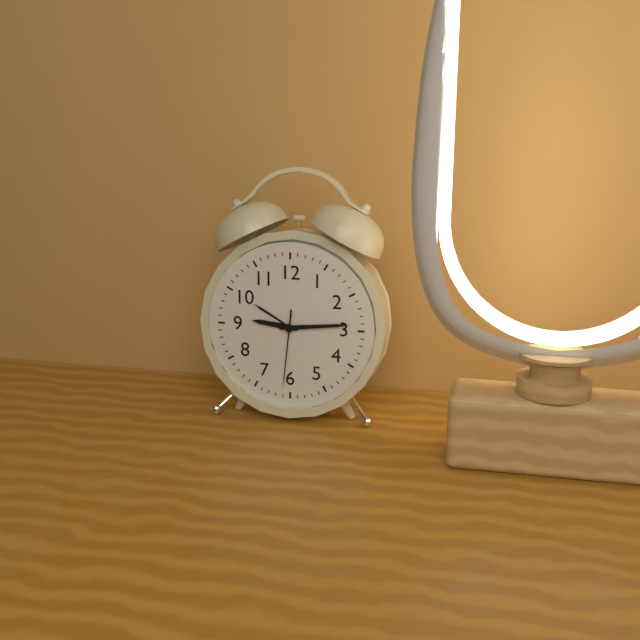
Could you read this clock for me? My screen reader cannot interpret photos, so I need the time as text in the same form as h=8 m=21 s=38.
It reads h=9 m=14 s=31
